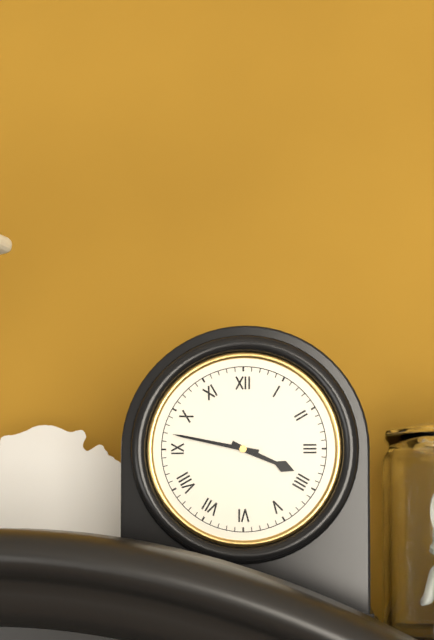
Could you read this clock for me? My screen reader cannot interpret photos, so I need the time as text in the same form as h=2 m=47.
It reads h=3 m=47
